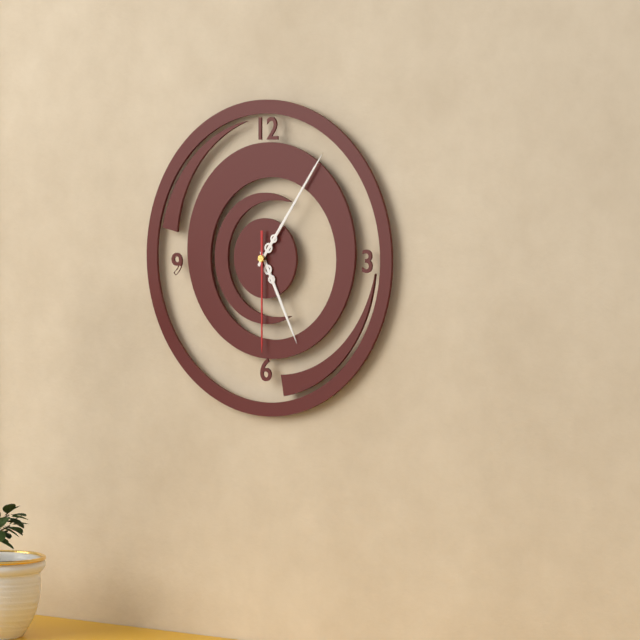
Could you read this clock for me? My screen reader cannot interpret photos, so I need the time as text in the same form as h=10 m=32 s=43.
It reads h=5 m=6 s=30
